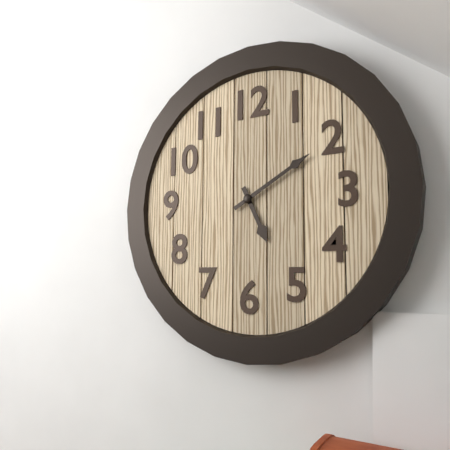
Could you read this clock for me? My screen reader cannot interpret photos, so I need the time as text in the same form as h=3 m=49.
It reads h=5 m=10
